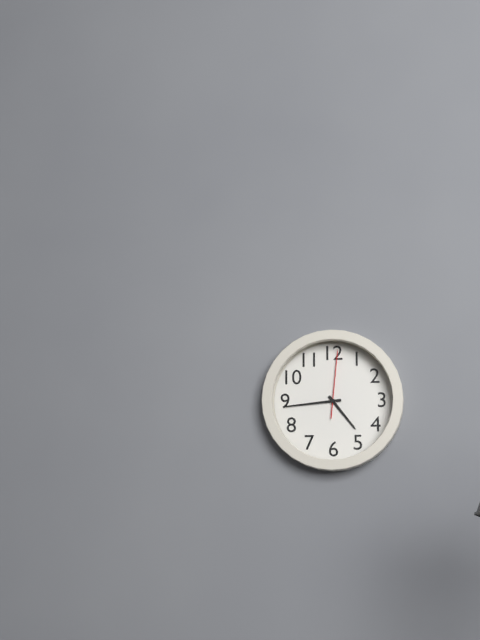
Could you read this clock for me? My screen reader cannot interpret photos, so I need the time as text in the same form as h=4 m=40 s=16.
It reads h=4 m=44 s=1
